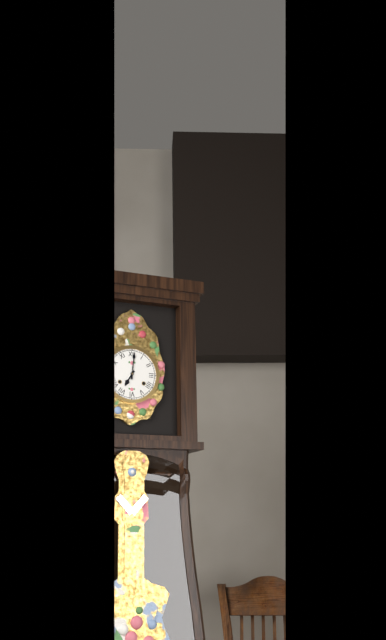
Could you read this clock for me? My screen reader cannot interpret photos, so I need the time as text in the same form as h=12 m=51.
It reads h=7 m=1
